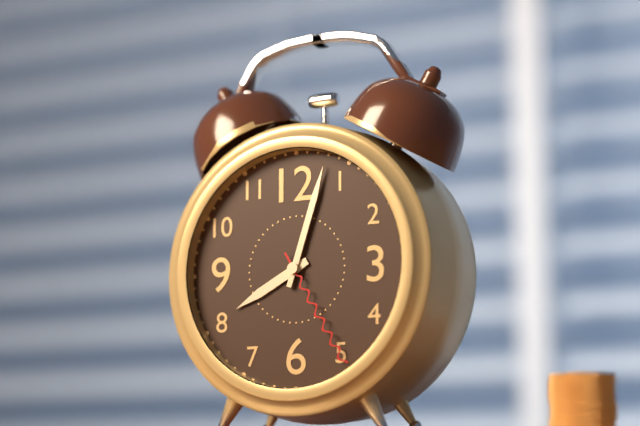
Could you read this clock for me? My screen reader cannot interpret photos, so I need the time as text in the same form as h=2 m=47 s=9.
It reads h=8 m=3 s=25
